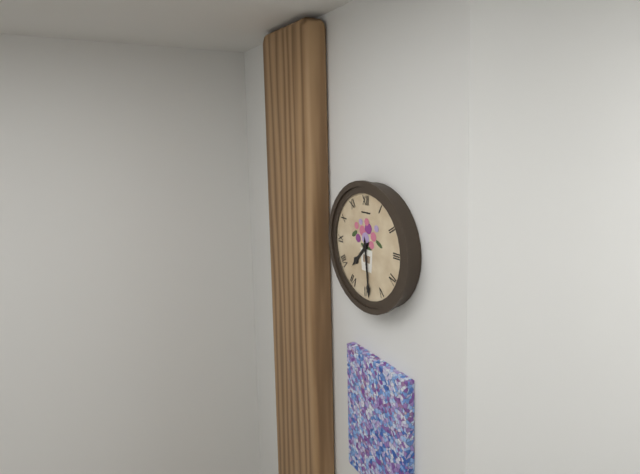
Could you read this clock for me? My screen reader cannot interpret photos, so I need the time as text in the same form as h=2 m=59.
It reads h=7 m=29
